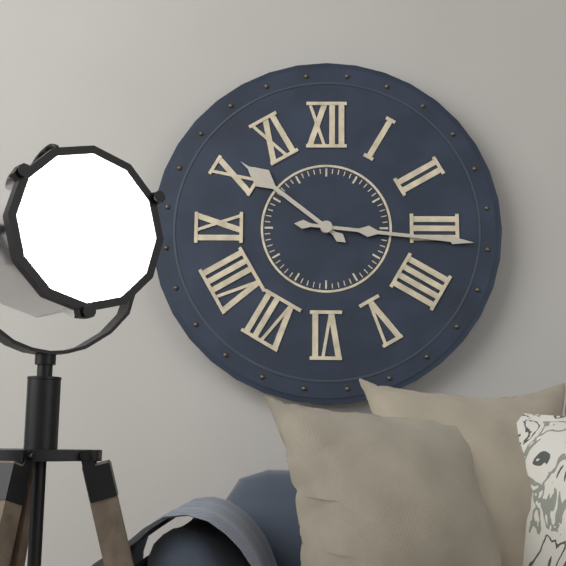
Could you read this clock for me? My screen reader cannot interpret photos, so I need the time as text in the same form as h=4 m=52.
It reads h=10 m=16
